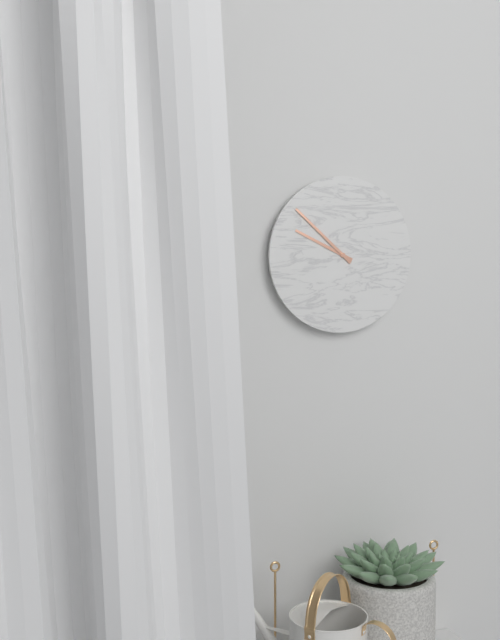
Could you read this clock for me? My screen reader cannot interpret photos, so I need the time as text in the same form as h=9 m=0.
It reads h=9 m=52
